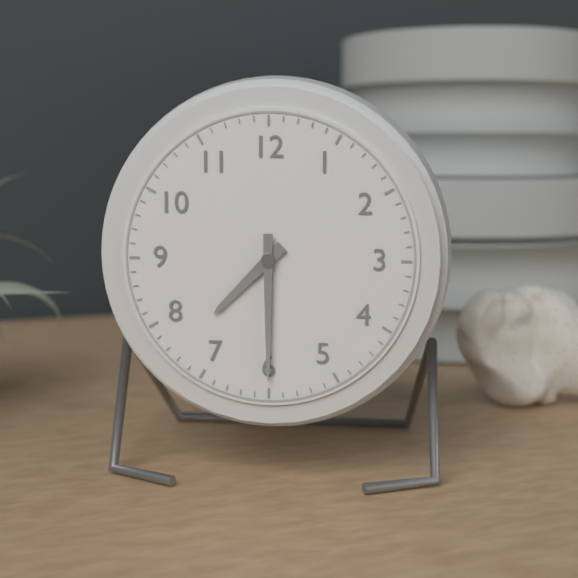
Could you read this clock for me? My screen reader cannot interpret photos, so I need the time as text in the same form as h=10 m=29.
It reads h=7 m=30
